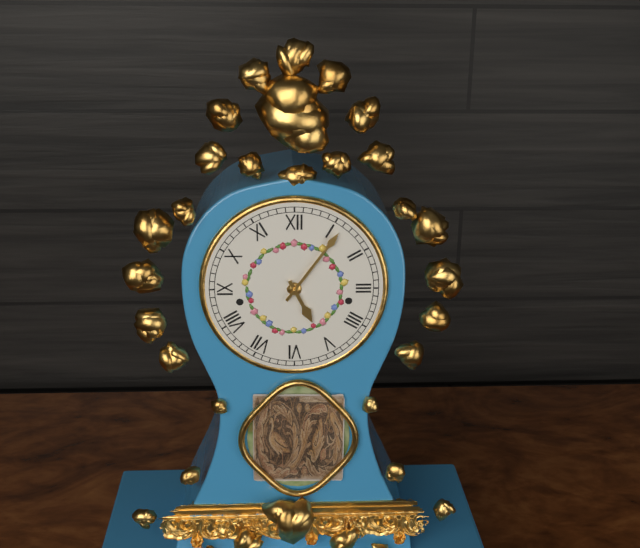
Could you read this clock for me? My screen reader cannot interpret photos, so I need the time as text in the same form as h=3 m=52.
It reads h=5 m=6
